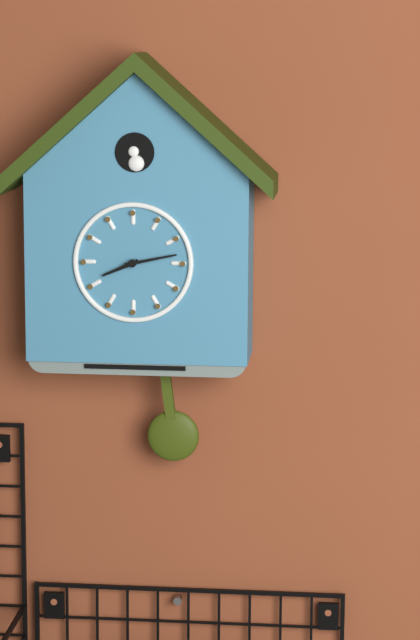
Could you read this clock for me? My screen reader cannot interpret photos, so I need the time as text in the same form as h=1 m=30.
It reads h=8 m=13
